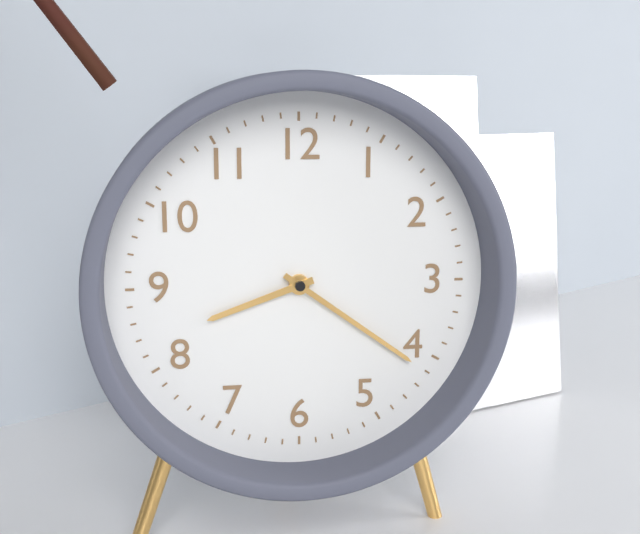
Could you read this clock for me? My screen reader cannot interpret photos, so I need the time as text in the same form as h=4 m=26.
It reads h=8 m=21
